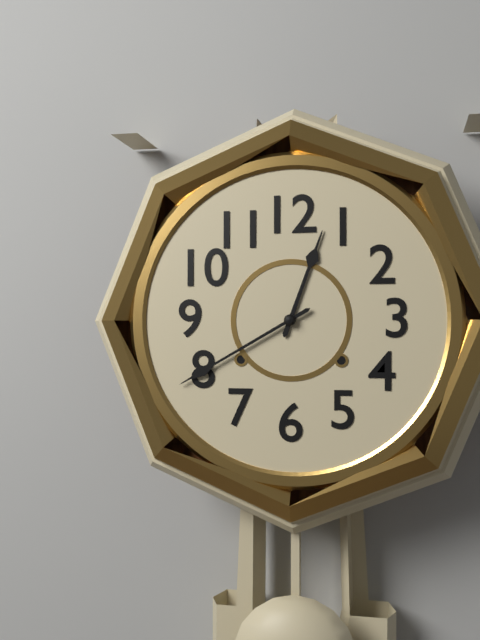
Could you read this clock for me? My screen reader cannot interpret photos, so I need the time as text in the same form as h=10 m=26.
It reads h=12 m=40
